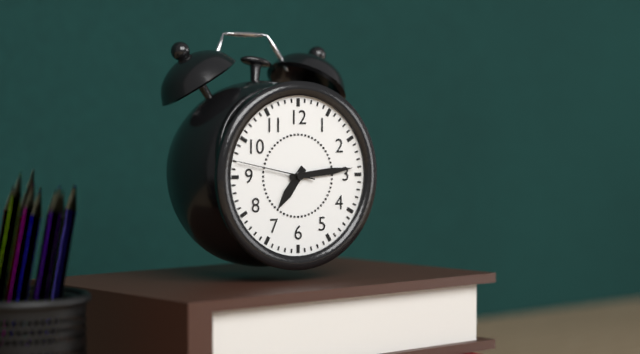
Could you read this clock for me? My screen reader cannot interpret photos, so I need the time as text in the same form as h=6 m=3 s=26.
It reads h=7 m=14 s=47
